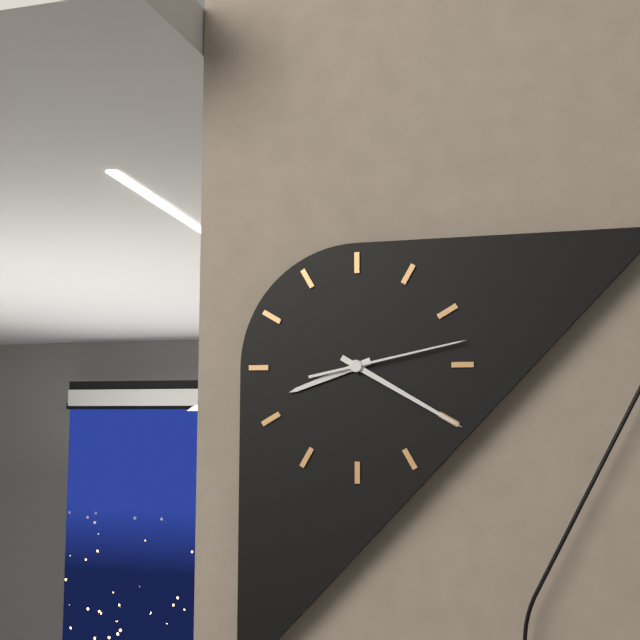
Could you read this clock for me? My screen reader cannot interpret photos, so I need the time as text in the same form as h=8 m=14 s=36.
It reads h=8 m=20 s=13
